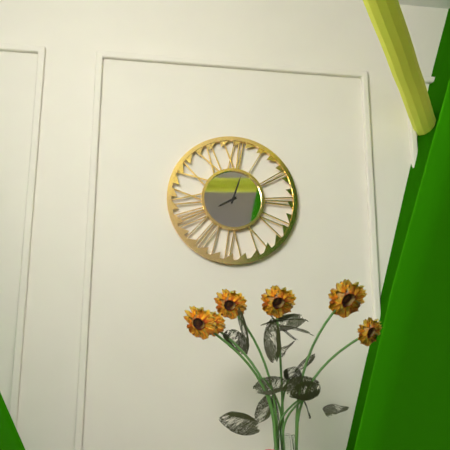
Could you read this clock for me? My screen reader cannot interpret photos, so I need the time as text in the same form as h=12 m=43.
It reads h=8 m=3
